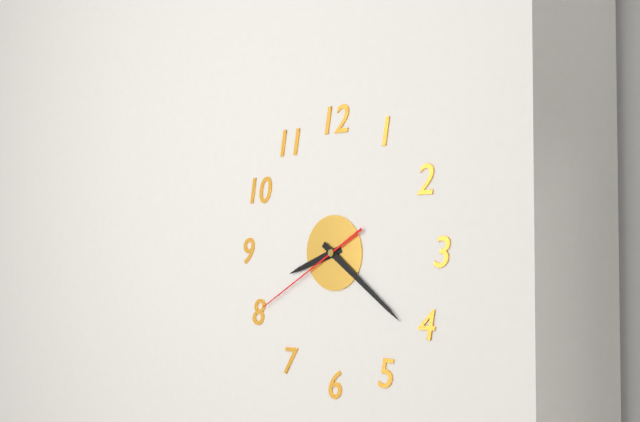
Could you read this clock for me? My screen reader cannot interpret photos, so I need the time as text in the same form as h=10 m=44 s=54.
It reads h=8 m=21 s=40
